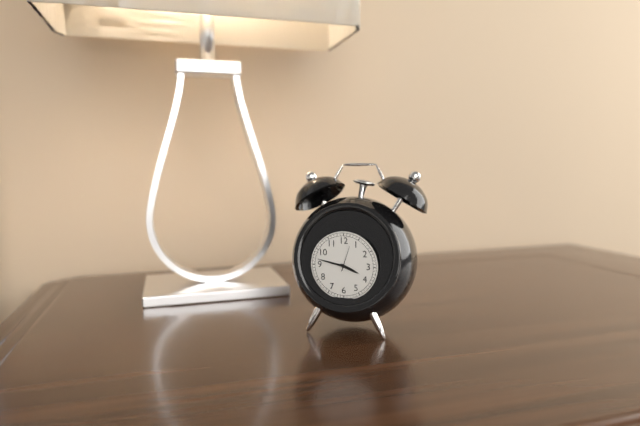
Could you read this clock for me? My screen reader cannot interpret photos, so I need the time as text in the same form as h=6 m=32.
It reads h=3 m=47
